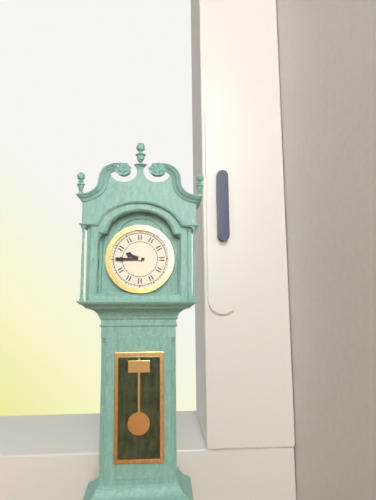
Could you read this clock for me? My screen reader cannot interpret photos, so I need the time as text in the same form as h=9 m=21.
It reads h=9 m=45
